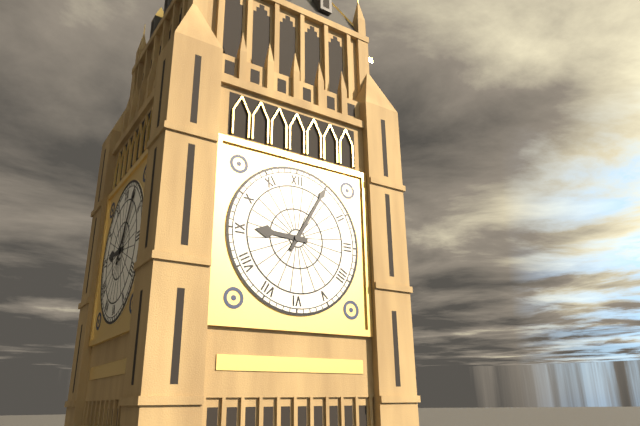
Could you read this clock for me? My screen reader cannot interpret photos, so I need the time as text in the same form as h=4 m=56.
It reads h=9 m=5
